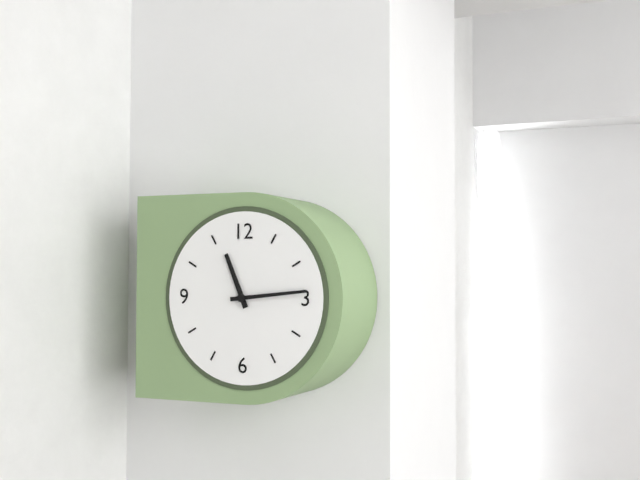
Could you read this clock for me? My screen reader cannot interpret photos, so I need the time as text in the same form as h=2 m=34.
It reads h=11 m=14
